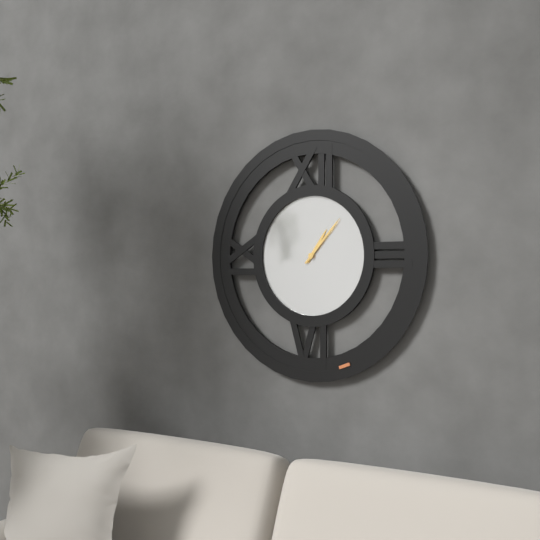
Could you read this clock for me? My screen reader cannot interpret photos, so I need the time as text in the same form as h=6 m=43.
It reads h=1 m=7
